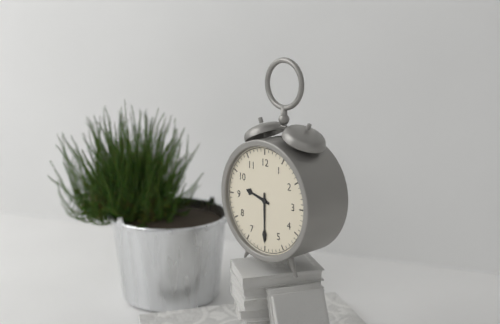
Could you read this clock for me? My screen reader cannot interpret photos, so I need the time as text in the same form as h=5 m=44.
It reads h=9 m=30
